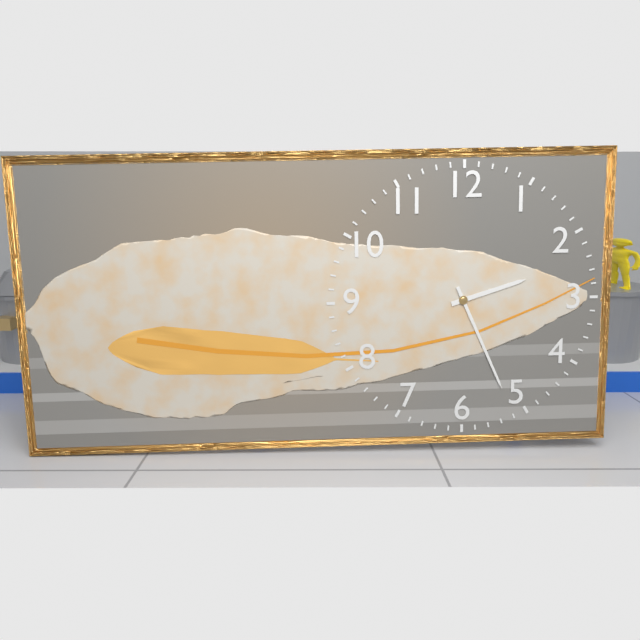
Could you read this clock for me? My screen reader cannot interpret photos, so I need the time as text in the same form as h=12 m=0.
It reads h=2 m=26
